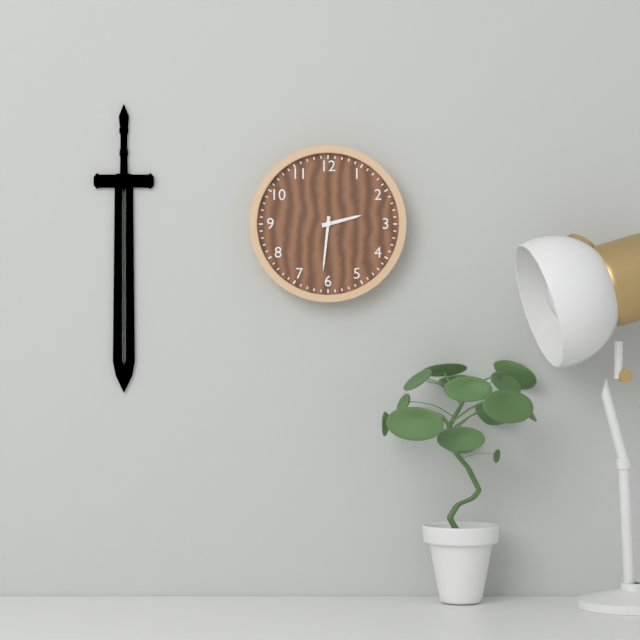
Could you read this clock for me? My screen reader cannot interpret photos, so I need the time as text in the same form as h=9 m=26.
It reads h=2 m=31
